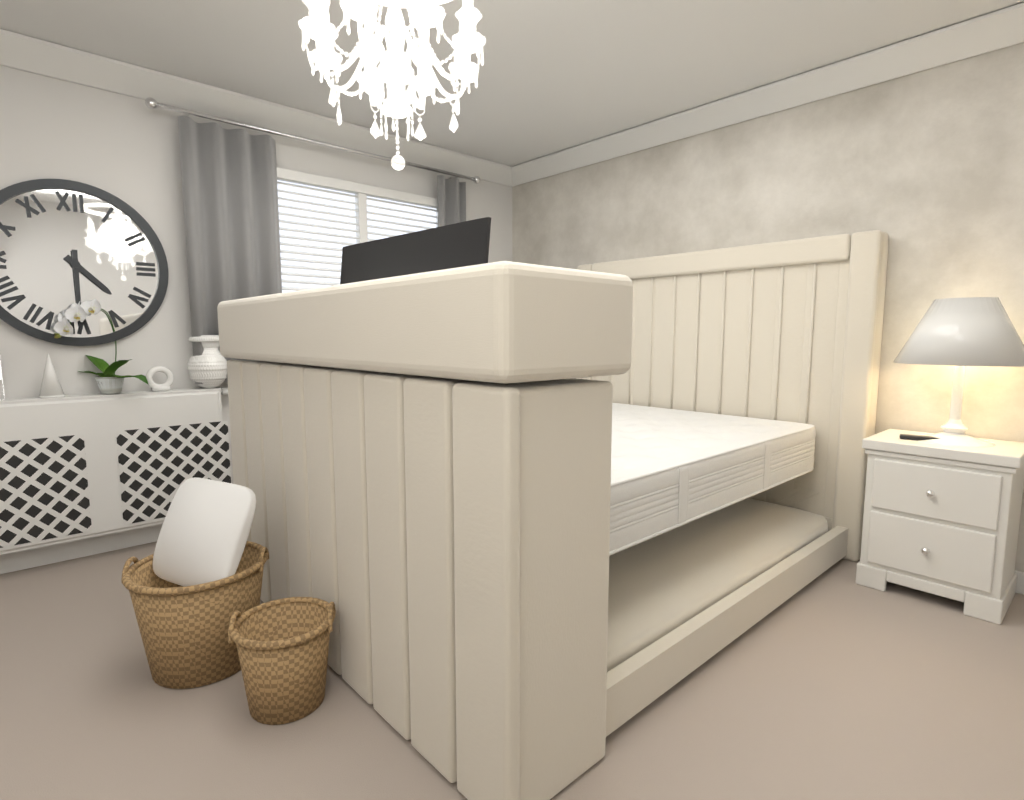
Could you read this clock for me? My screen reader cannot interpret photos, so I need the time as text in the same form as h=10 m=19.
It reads h=4 m=30
